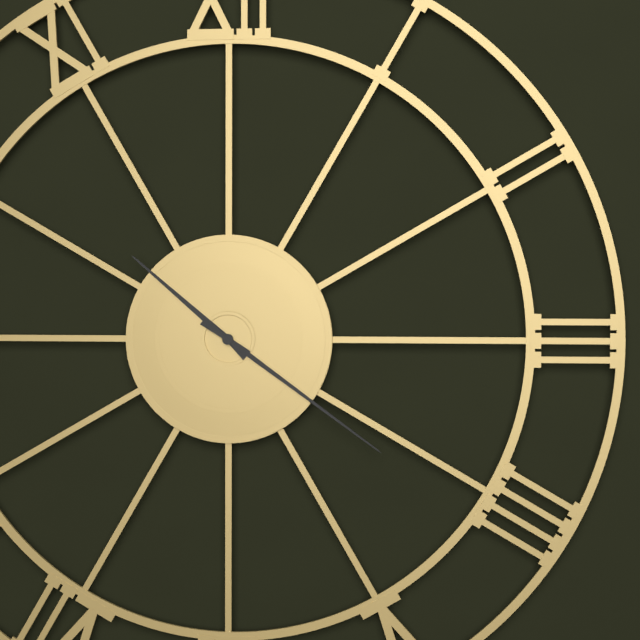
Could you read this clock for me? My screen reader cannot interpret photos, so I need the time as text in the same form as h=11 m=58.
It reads h=10 m=21
